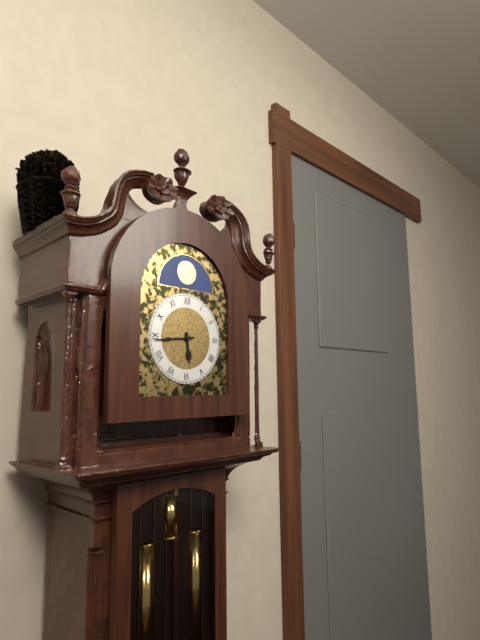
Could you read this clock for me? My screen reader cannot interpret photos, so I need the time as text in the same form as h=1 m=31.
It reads h=5 m=44
